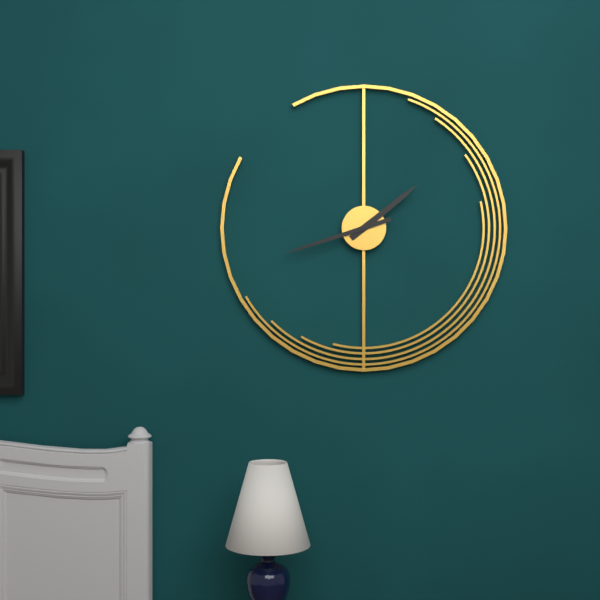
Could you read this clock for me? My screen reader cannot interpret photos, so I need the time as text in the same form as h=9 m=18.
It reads h=1 m=42
